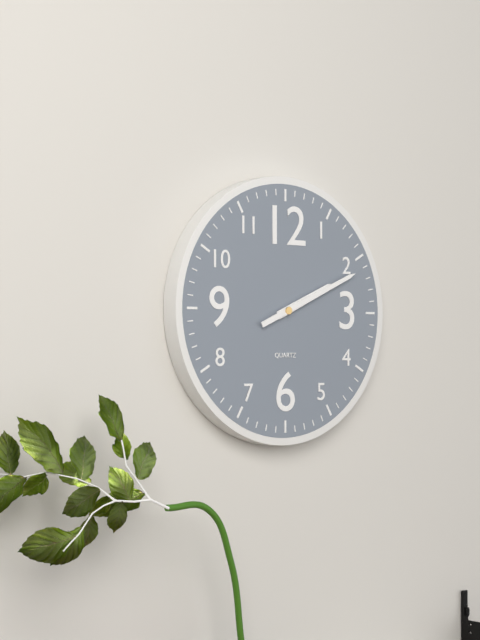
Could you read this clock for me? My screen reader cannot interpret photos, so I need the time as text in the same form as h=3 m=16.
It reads h=2 m=11
